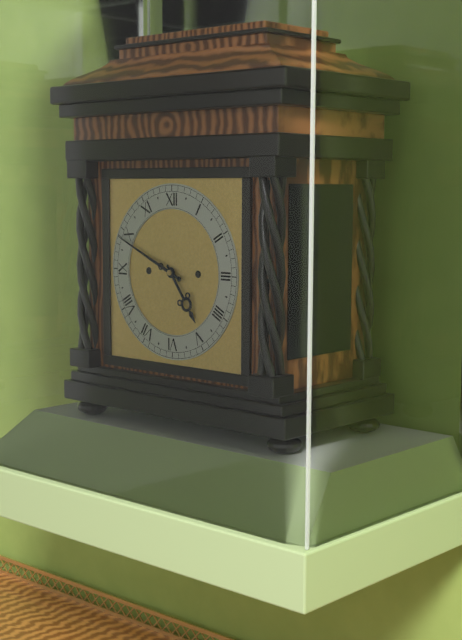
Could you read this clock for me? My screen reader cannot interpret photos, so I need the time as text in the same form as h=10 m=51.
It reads h=4 m=49
